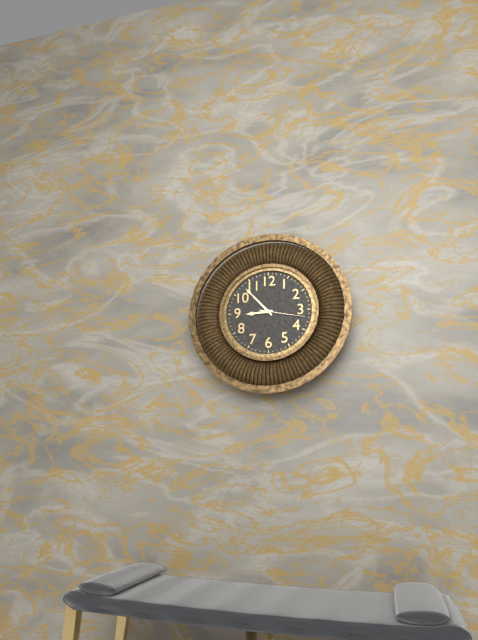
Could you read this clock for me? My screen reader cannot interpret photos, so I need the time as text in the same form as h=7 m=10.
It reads h=8 m=53
